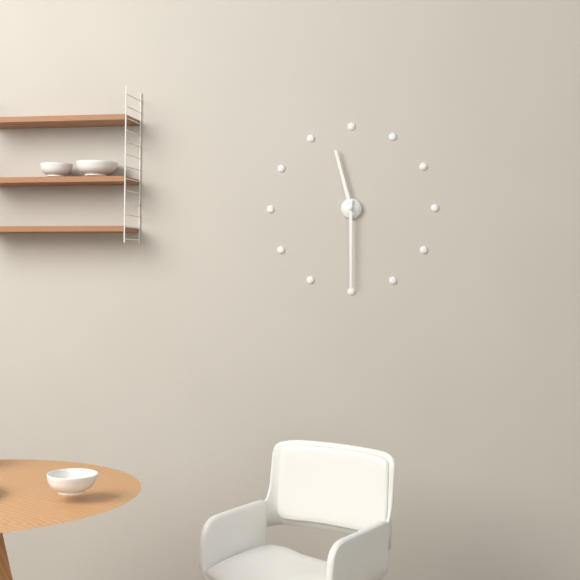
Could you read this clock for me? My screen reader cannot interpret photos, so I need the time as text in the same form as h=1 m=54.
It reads h=11 m=30
